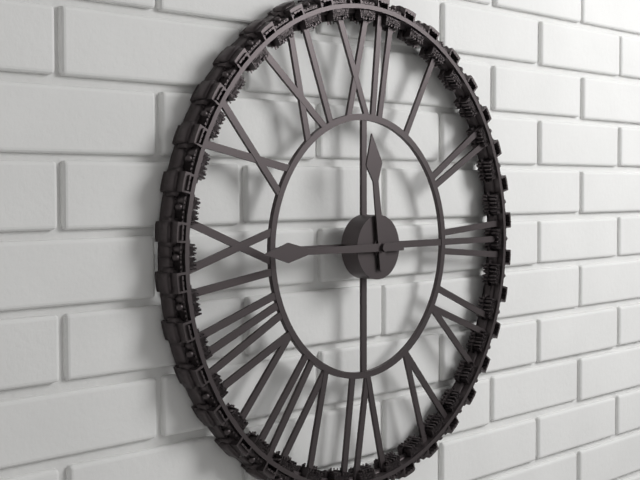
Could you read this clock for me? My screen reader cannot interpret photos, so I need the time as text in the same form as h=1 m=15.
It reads h=11 m=45
